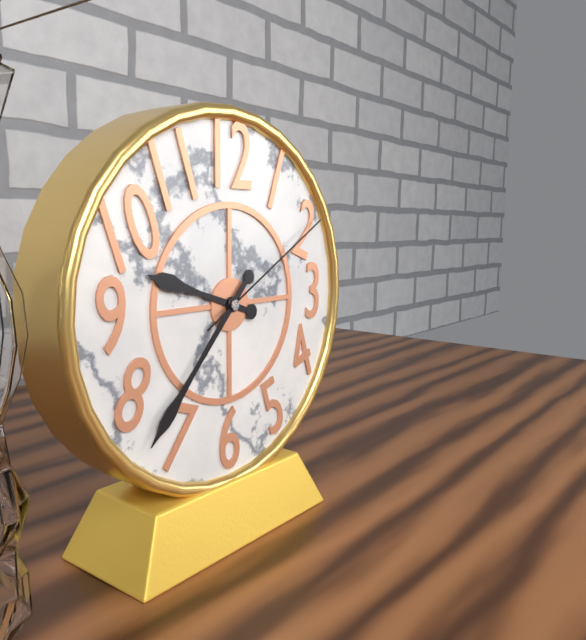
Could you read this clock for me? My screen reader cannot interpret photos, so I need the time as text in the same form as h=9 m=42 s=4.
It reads h=9 m=37 s=10
